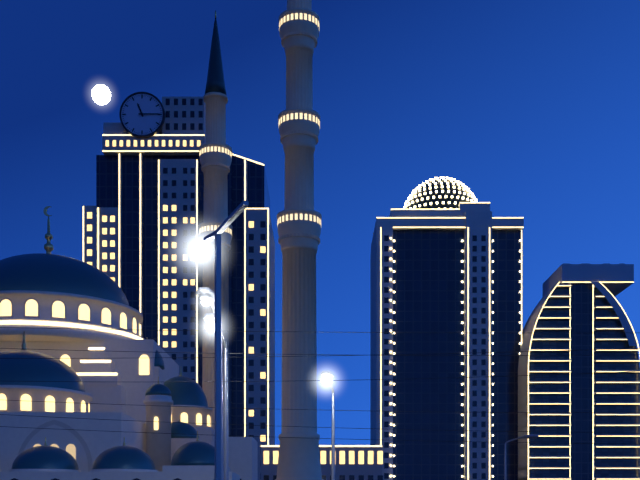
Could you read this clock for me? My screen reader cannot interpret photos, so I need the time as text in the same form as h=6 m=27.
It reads h=11 m=15
